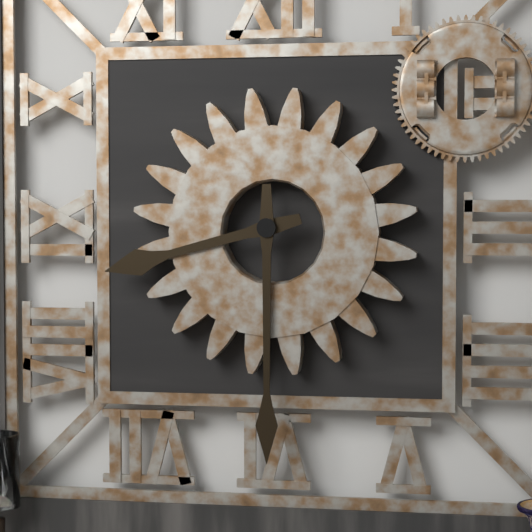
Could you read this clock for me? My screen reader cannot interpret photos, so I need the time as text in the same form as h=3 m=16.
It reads h=8 m=30
